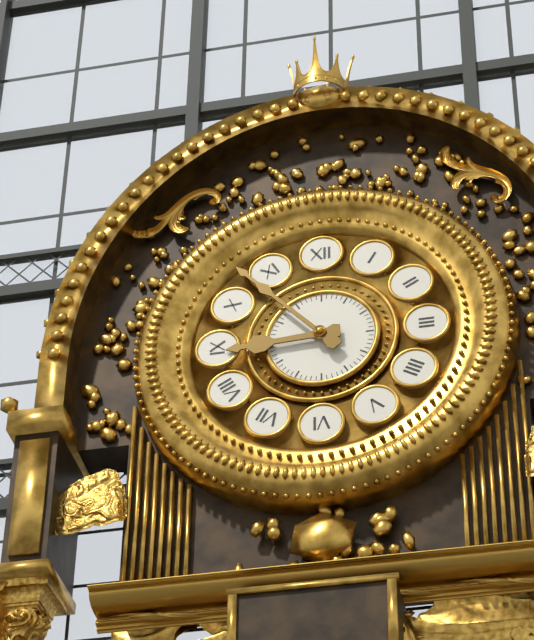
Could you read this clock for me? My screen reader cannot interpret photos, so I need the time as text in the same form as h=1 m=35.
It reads h=8 m=53
